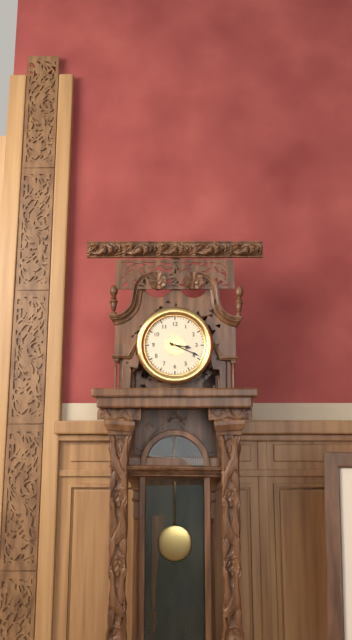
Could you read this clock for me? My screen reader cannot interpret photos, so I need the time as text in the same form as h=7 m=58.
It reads h=3 m=19
